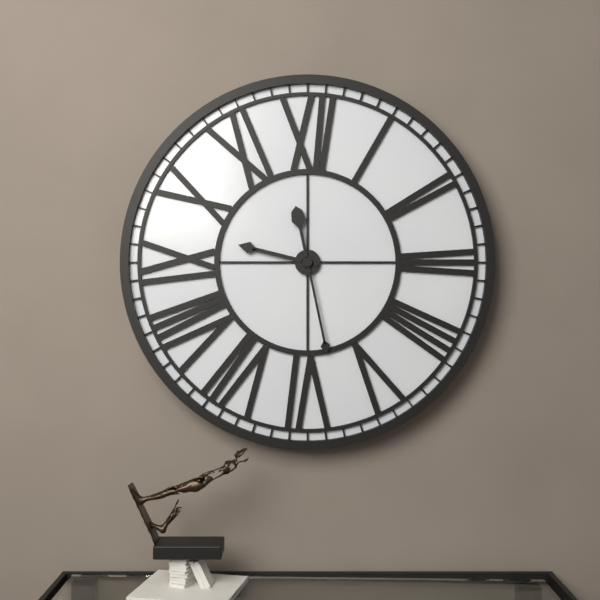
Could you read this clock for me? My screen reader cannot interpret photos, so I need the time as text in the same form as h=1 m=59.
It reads h=9 m=28
